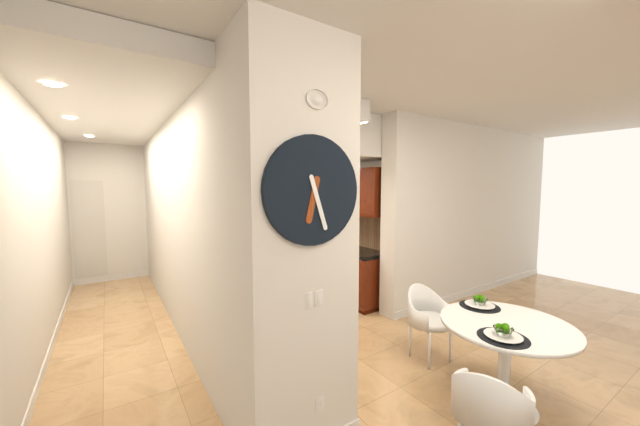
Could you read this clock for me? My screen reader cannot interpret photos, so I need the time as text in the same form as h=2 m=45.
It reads h=6 m=27
